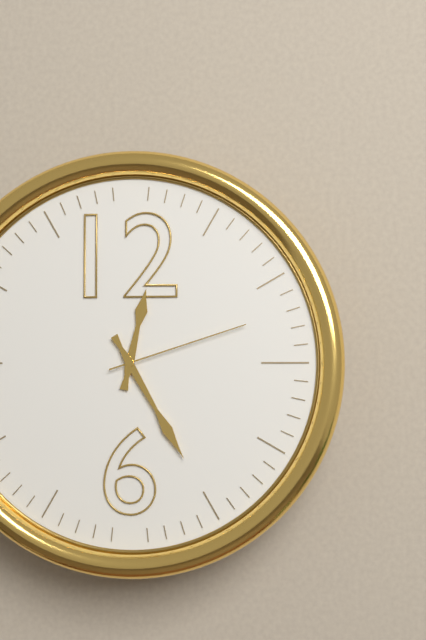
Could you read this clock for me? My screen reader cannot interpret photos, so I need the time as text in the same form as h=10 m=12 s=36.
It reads h=12 m=25 s=12
